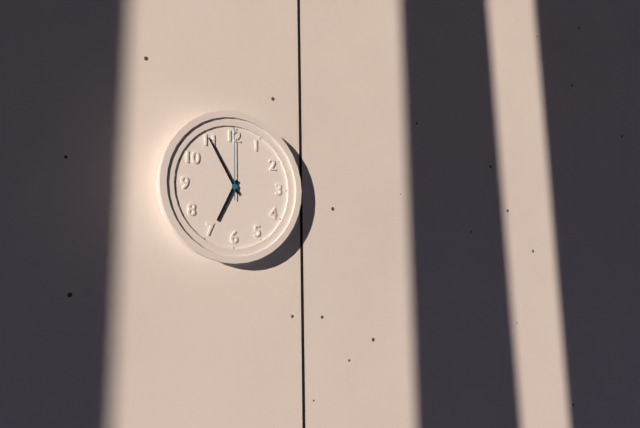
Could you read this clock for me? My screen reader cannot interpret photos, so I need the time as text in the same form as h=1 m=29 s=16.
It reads h=6 m=55 s=0
